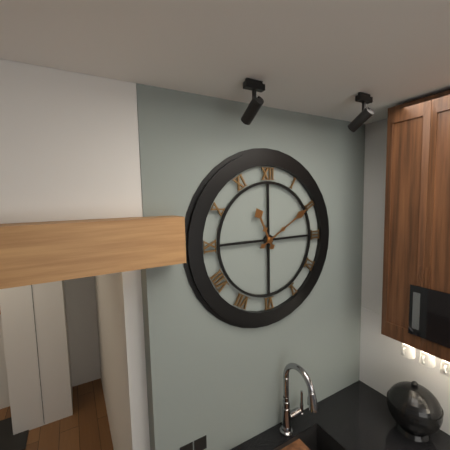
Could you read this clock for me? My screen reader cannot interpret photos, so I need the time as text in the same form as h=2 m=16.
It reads h=11 m=10
